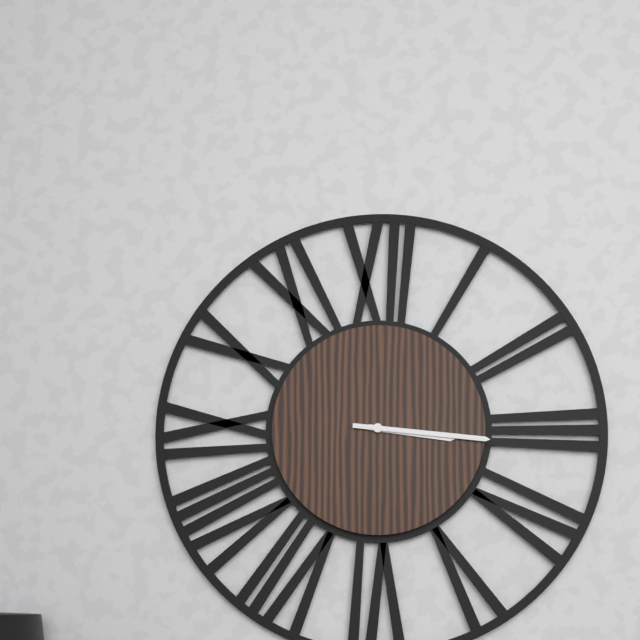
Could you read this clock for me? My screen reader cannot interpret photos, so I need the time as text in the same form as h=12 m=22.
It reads h=3 m=16
